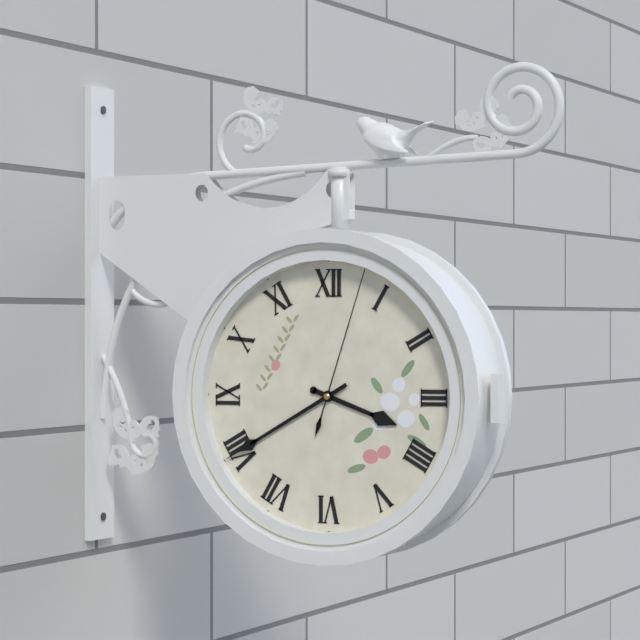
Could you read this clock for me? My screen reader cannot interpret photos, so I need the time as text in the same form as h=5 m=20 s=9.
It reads h=3 m=40 s=3
